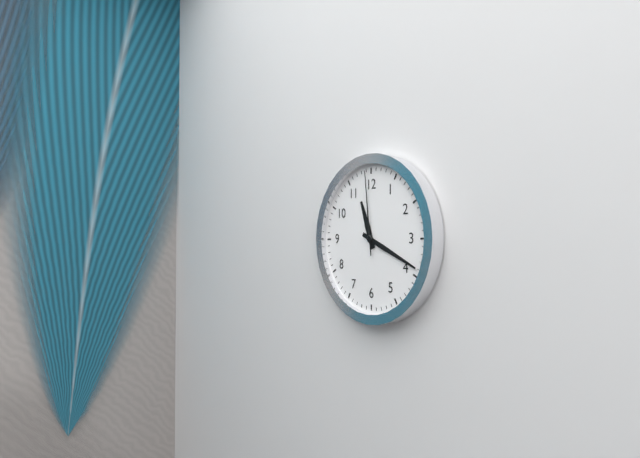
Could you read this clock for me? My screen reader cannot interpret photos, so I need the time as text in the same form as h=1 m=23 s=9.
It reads h=11 m=19 s=59
